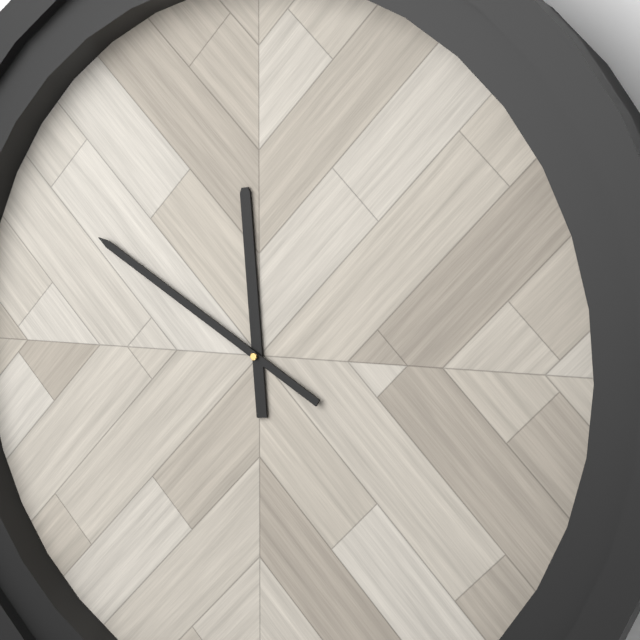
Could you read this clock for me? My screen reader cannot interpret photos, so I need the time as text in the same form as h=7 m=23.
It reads h=11 m=50
